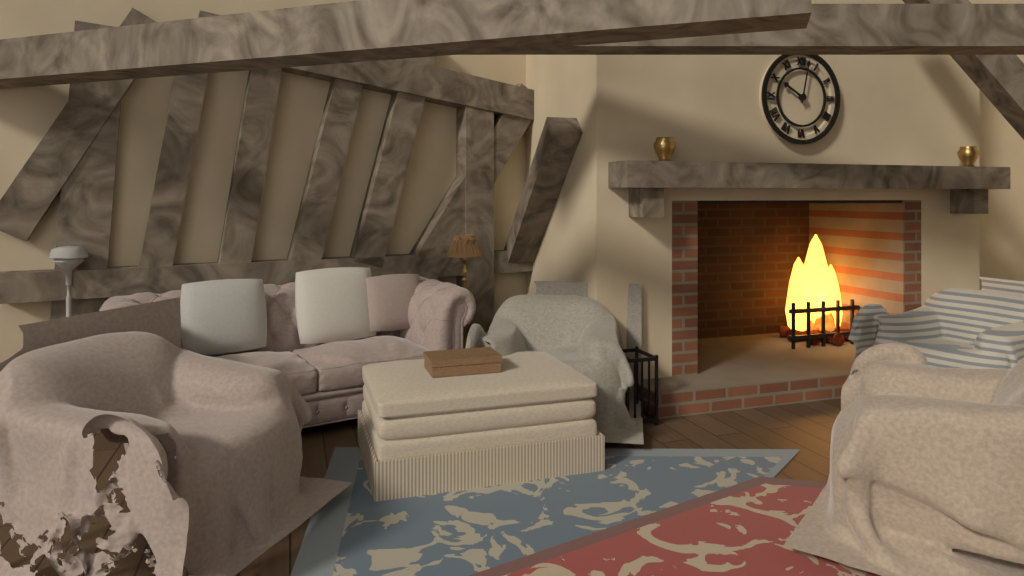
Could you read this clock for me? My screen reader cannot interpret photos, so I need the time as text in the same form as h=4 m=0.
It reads h=10 m=2
